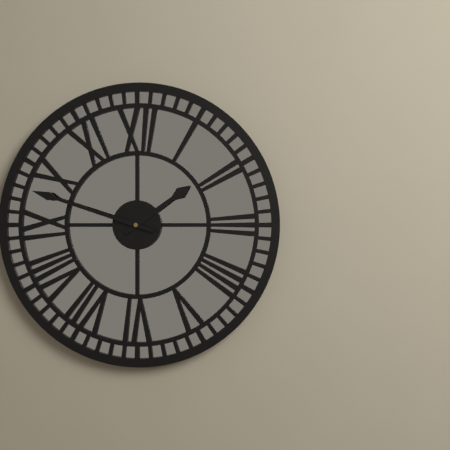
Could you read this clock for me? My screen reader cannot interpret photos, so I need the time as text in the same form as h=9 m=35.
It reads h=1 m=48
